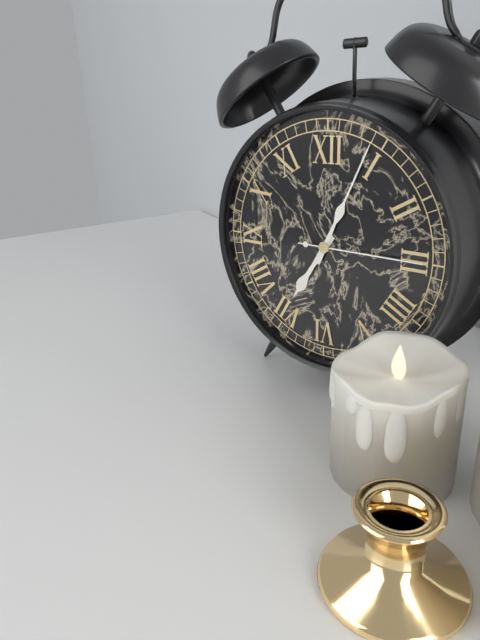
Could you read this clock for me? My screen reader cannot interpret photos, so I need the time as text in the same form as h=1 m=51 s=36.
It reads h=7 m=4 s=15
